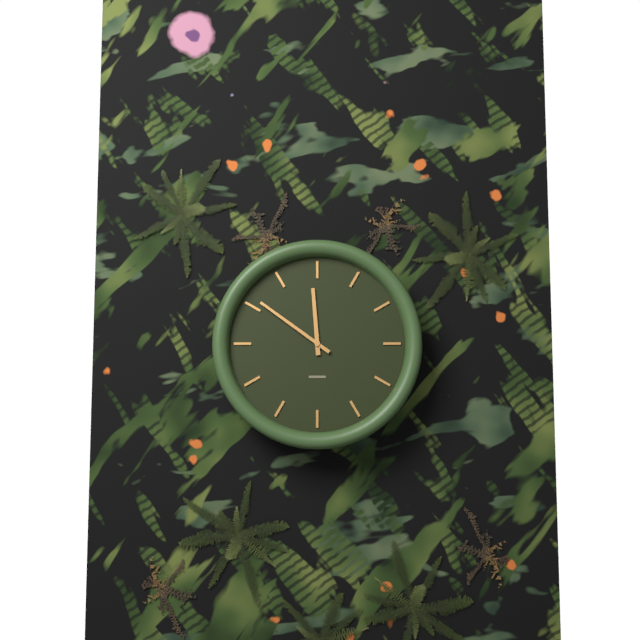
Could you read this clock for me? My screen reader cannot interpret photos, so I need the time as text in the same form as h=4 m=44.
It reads h=11 m=51
